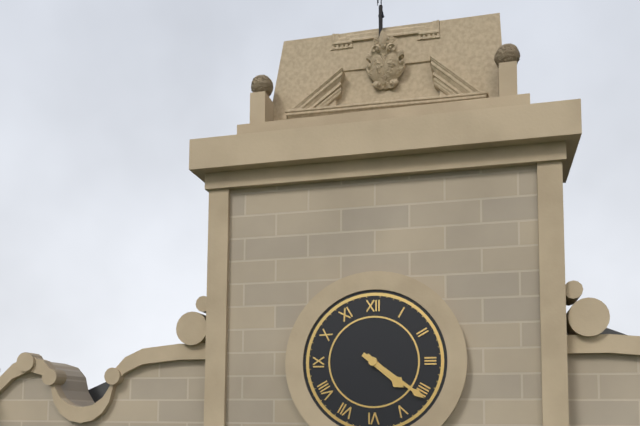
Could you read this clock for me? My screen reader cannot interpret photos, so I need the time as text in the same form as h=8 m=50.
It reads h=4 m=21
